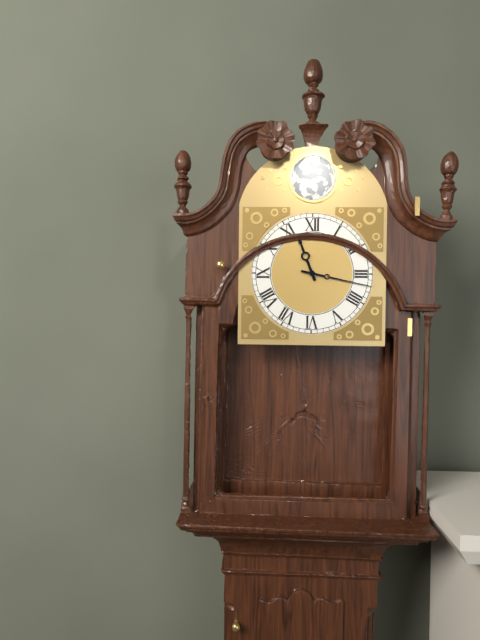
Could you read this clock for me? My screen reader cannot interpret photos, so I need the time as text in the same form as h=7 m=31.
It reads h=11 m=17
